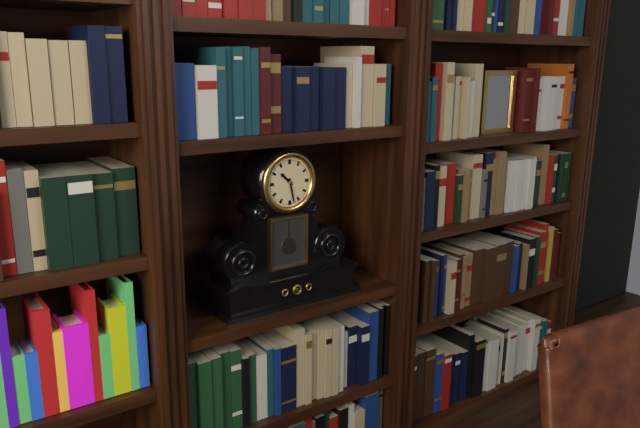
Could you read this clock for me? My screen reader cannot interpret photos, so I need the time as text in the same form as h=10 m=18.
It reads h=10 m=28
